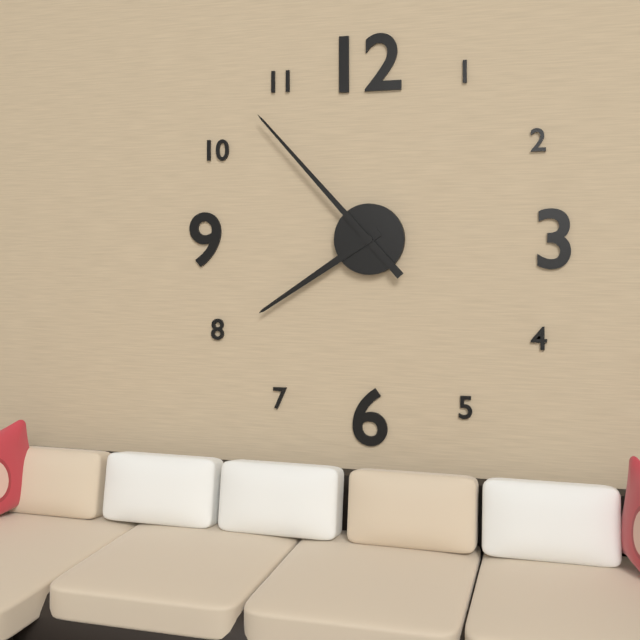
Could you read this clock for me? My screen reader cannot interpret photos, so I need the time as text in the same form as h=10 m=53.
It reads h=7 m=53
